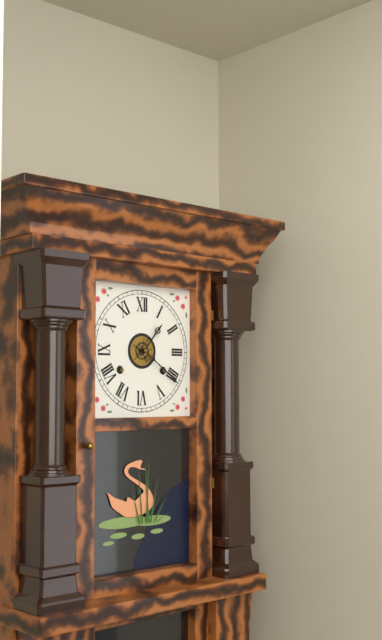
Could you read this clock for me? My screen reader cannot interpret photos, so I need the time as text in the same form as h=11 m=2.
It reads h=1 m=21
